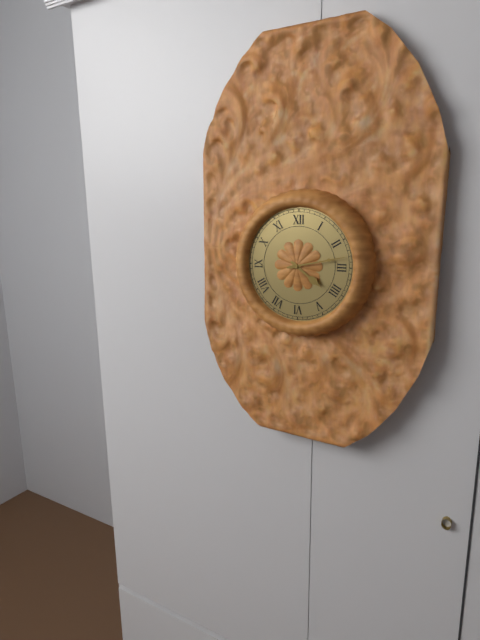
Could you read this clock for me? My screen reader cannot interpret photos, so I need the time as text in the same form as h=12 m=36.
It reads h=4 m=13
